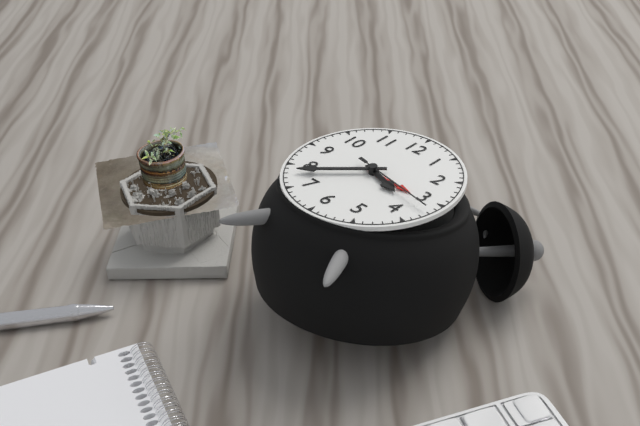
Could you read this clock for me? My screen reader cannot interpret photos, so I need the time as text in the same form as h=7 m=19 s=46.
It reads h=3 m=38 s=17
